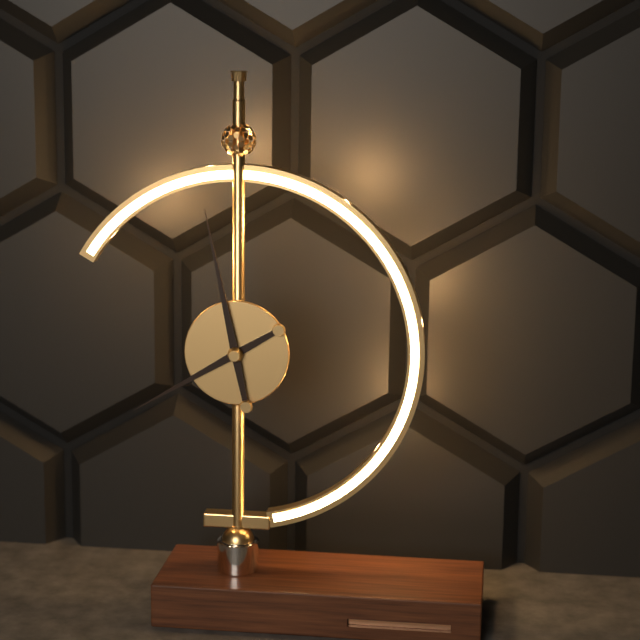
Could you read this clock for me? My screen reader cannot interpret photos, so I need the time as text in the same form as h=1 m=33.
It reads h=7 m=58
